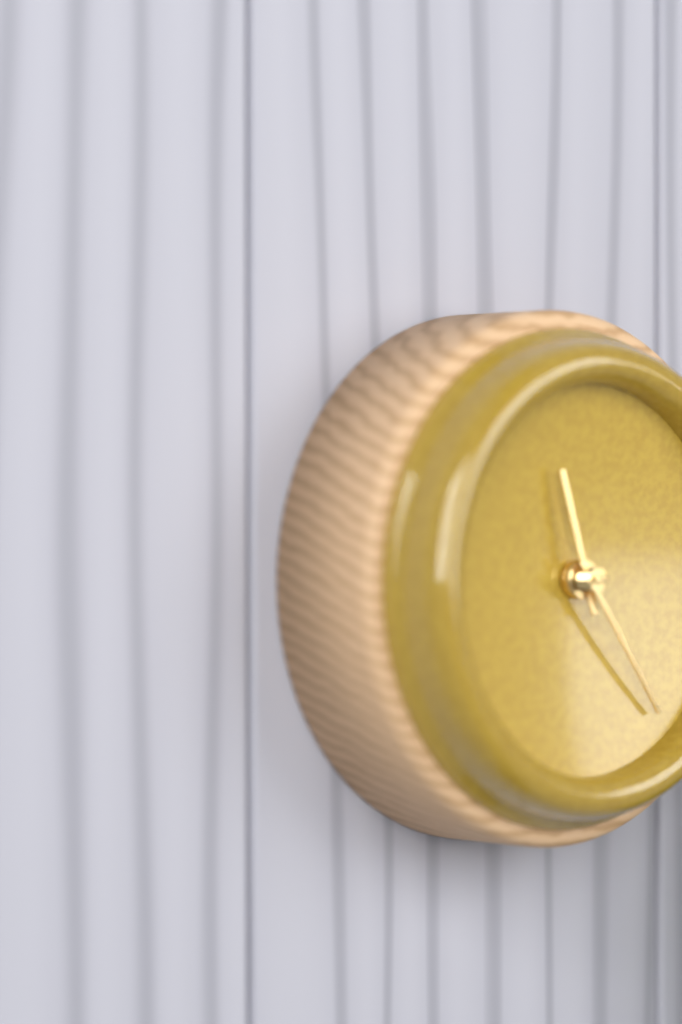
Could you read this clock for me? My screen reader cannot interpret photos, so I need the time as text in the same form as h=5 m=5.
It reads h=11 m=24
